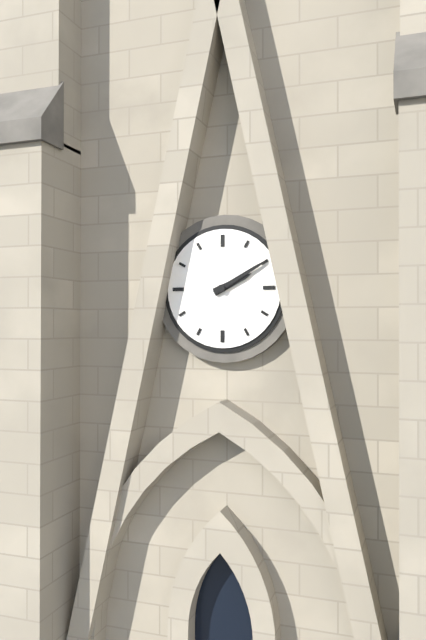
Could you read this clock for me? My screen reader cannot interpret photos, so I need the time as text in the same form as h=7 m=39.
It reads h=2 m=10
